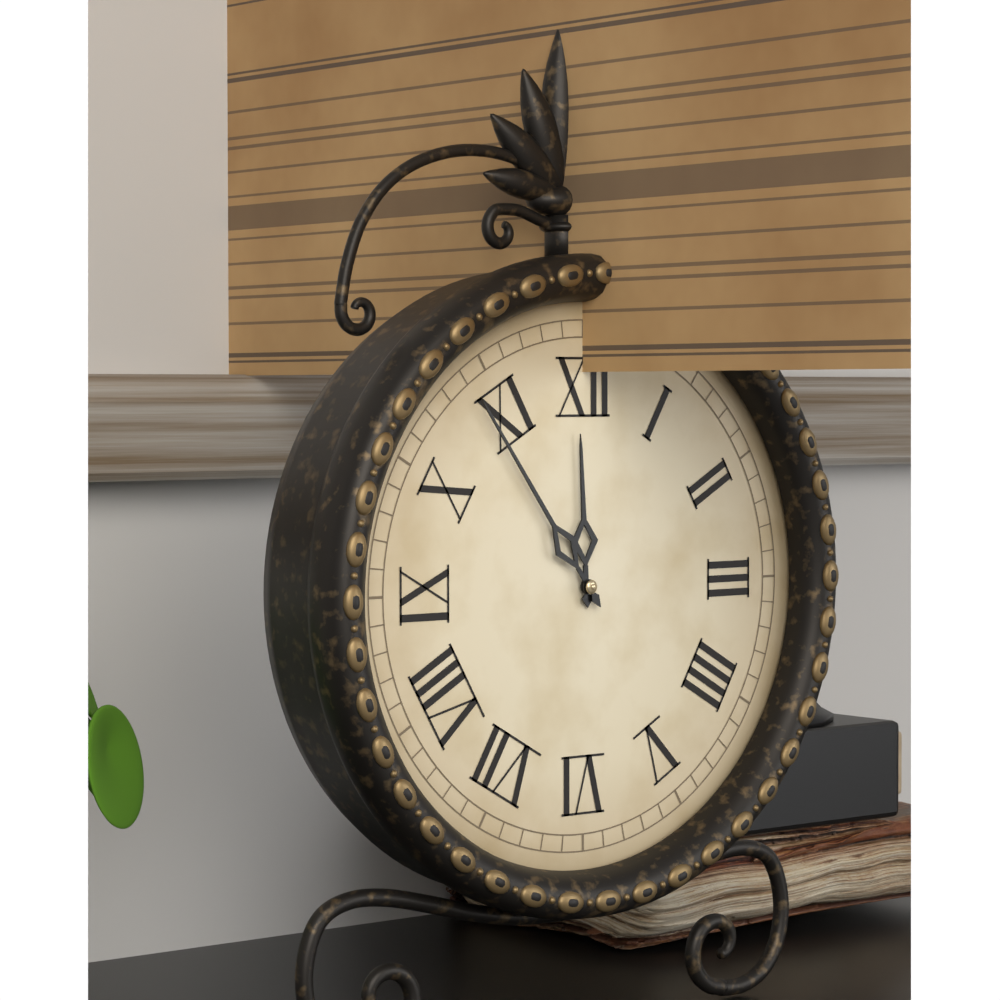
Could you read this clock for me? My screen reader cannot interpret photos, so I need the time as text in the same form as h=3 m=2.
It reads h=11 m=54
